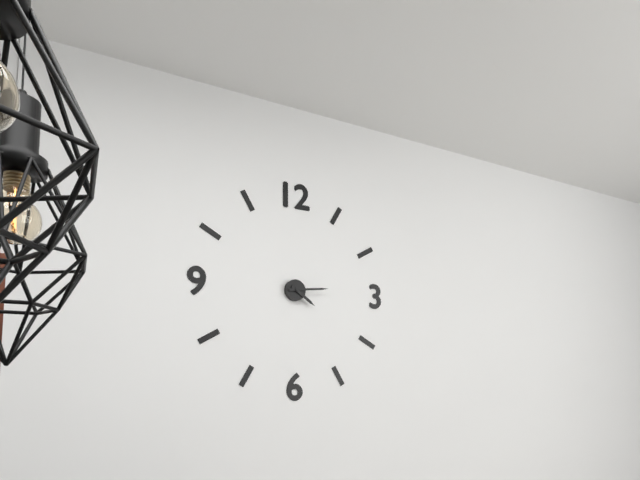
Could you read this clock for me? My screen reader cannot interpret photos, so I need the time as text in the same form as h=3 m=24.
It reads h=4 m=14
